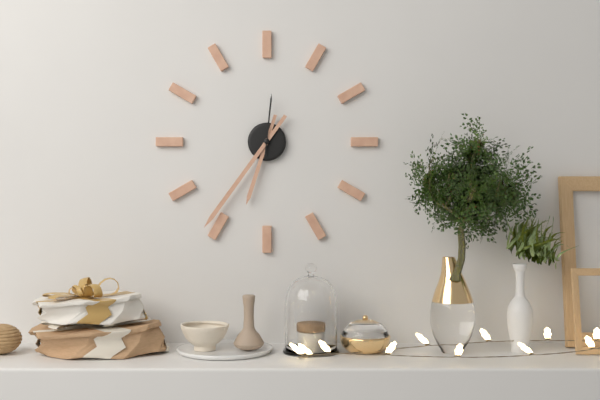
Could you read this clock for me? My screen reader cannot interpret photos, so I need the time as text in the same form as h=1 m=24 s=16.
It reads h=6 m=36 s=1
